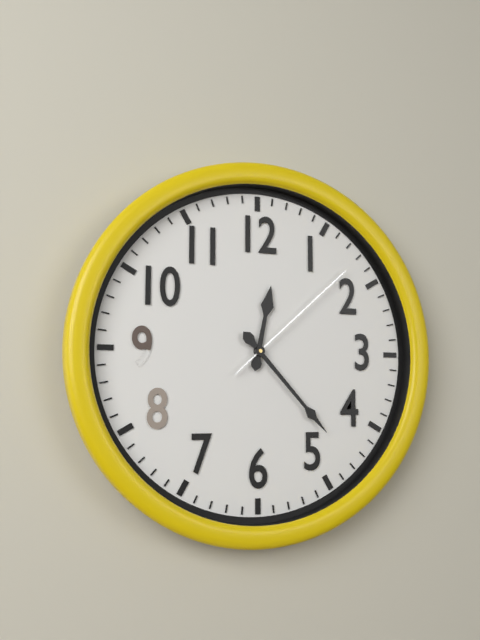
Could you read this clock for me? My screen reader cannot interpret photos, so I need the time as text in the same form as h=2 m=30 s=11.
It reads h=12 m=23 s=8
